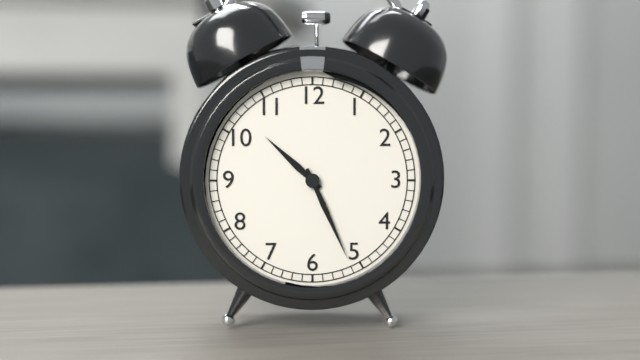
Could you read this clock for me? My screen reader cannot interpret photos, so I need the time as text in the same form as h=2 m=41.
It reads h=10 m=26
